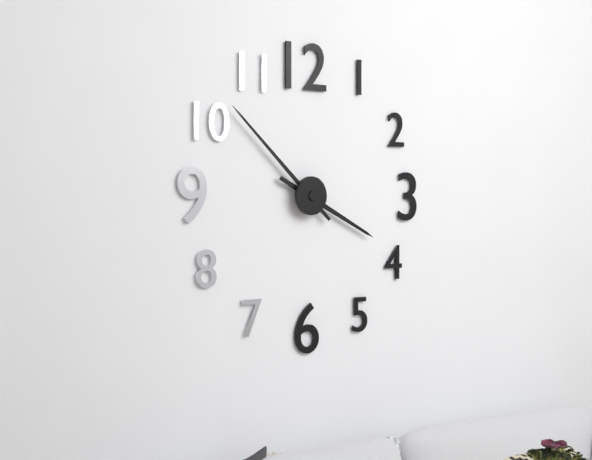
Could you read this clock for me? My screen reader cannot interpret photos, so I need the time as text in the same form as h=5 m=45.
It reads h=3 m=52
